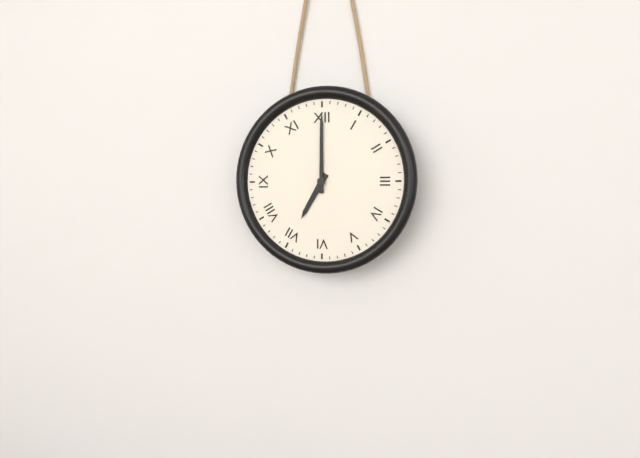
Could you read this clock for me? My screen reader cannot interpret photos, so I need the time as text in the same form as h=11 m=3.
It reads h=7 m=0
